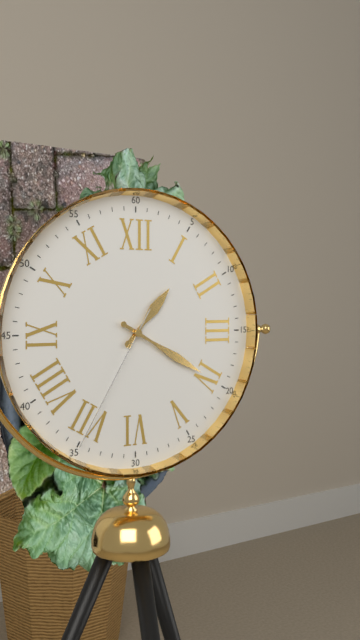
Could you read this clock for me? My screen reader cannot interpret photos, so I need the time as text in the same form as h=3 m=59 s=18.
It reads h=1 m=20 s=35
